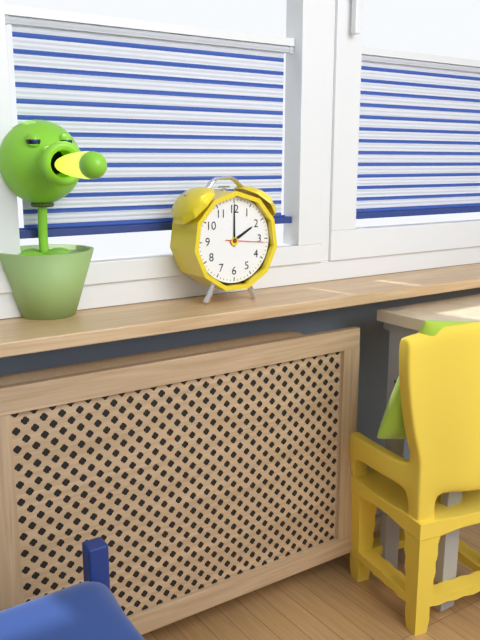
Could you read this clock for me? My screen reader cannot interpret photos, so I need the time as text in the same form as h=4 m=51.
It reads h=2 m=0
